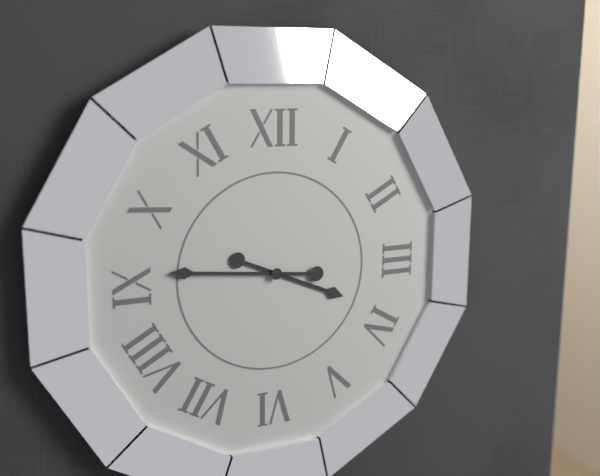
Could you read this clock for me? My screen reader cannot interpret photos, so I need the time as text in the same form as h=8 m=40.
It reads h=3 m=46
